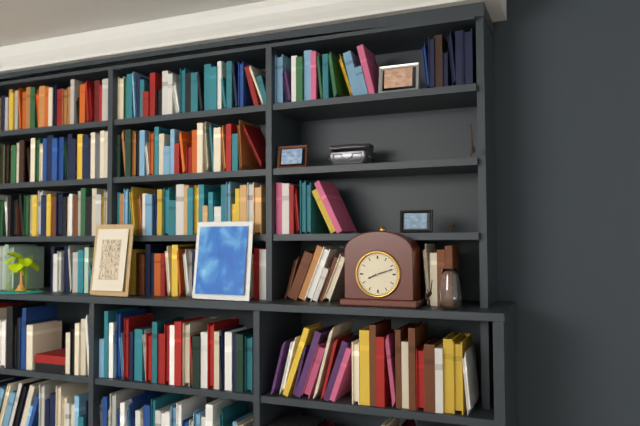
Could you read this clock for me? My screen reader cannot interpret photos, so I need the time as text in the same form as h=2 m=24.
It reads h=8 m=12
